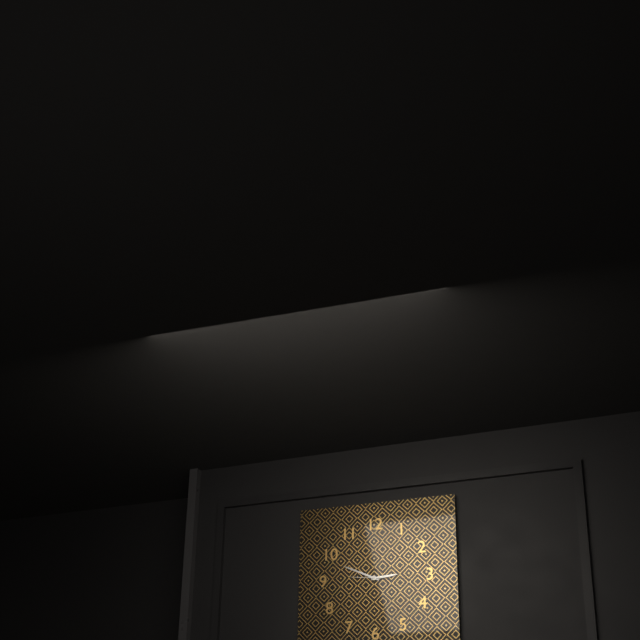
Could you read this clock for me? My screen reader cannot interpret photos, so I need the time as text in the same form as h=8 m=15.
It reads h=2 m=49
